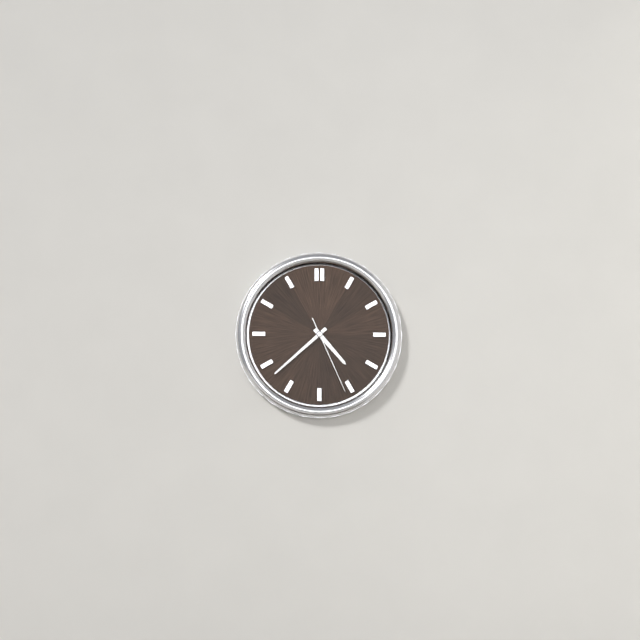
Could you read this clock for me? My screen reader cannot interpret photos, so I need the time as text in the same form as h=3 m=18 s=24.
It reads h=4 m=38 s=26
